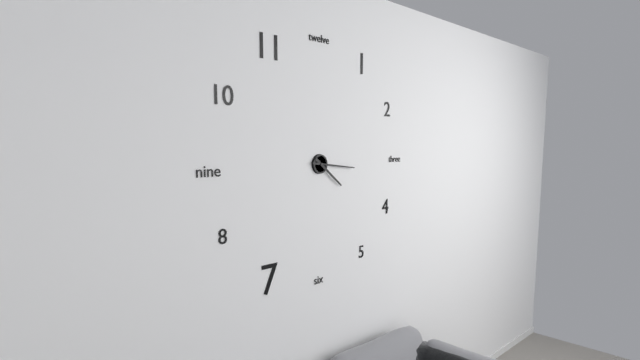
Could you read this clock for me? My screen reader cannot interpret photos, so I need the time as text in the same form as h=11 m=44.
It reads h=4 m=16
